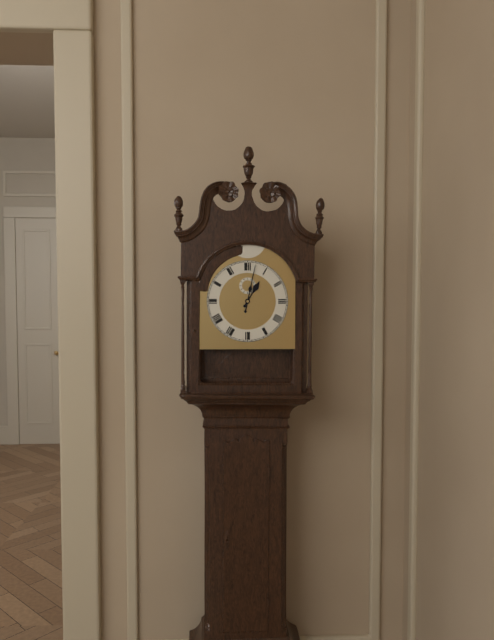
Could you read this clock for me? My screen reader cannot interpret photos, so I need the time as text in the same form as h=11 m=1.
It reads h=1 m=2
